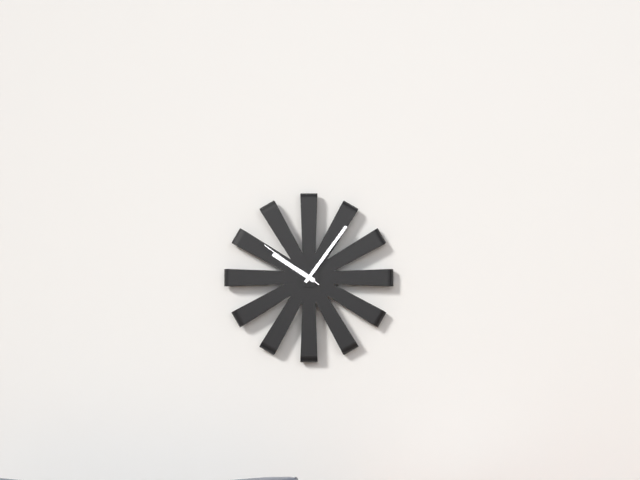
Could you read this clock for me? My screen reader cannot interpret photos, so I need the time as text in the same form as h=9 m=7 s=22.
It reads h=10 m=6 s=51
